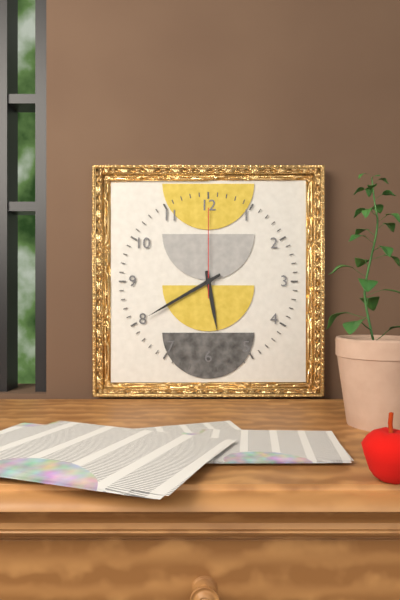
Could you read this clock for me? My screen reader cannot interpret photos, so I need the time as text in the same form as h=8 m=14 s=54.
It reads h=5 m=40 s=0
